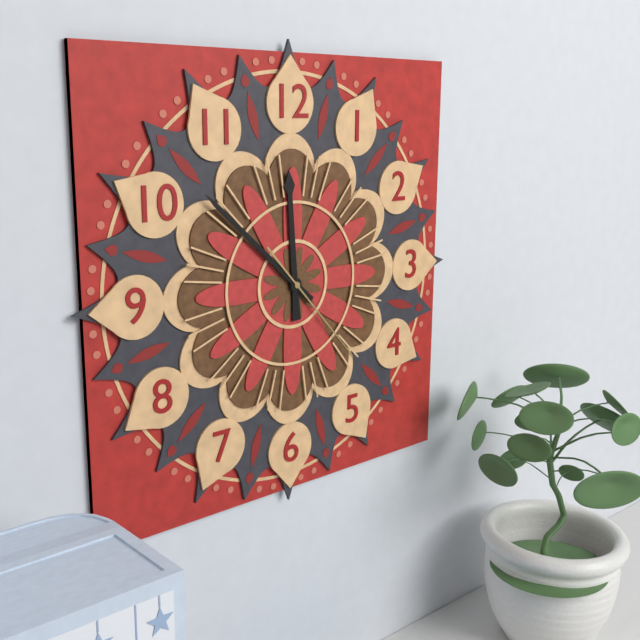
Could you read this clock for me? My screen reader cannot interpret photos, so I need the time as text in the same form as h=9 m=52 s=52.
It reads h=11 m=52 s=23
